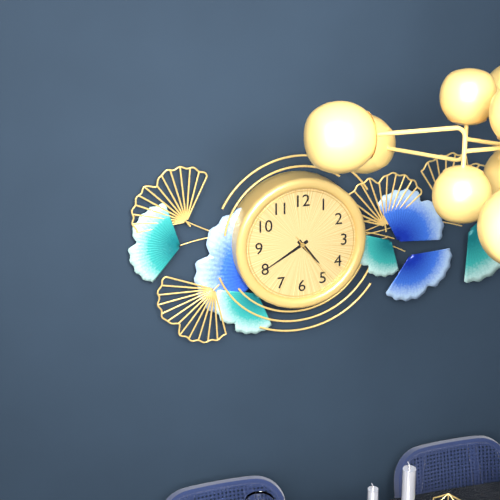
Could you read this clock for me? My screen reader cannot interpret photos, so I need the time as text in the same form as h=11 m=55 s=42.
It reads h=4 m=40 s=24
